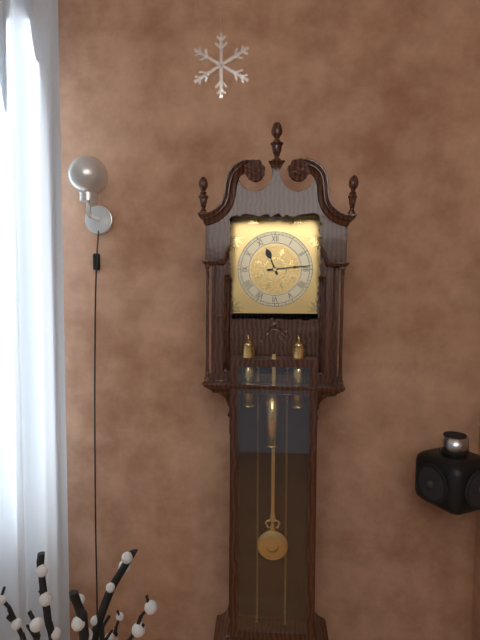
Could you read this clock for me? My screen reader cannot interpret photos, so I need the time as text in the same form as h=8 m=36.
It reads h=11 m=14
